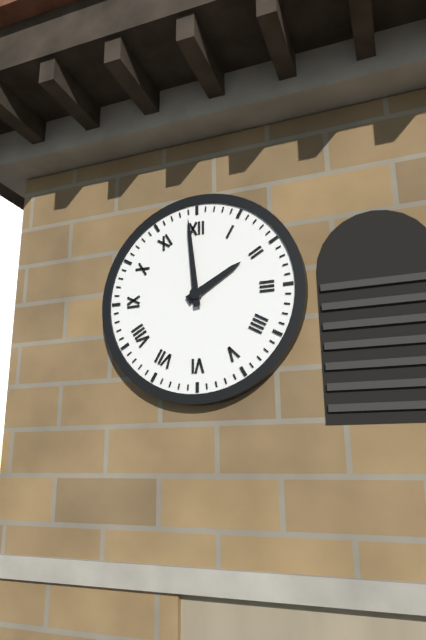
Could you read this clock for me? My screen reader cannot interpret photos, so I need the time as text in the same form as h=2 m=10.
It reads h=1 m=59
